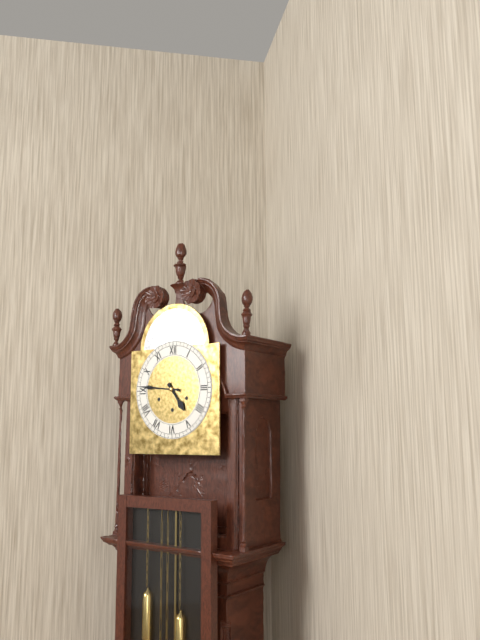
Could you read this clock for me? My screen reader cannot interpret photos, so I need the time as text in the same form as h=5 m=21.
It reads h=4 m=46
